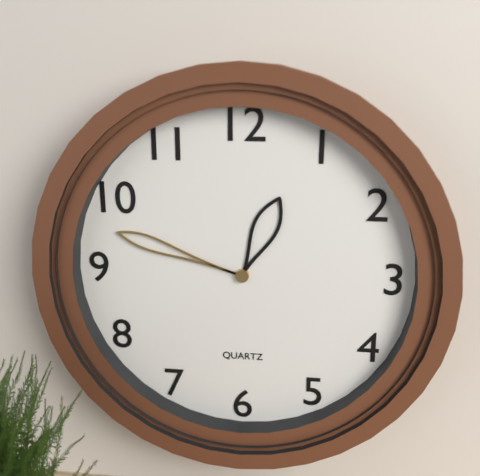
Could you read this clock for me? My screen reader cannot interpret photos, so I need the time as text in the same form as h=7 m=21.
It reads h=12 m=48
